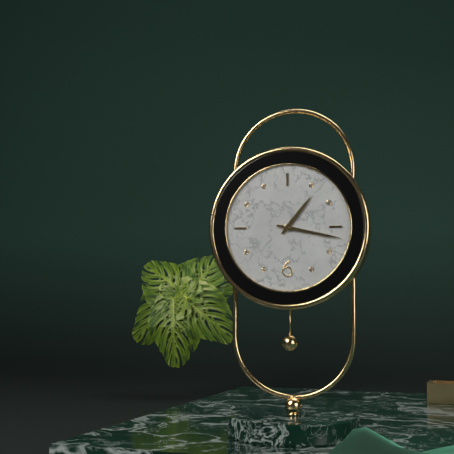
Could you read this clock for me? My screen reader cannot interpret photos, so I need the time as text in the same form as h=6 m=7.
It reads h=1 m=17
